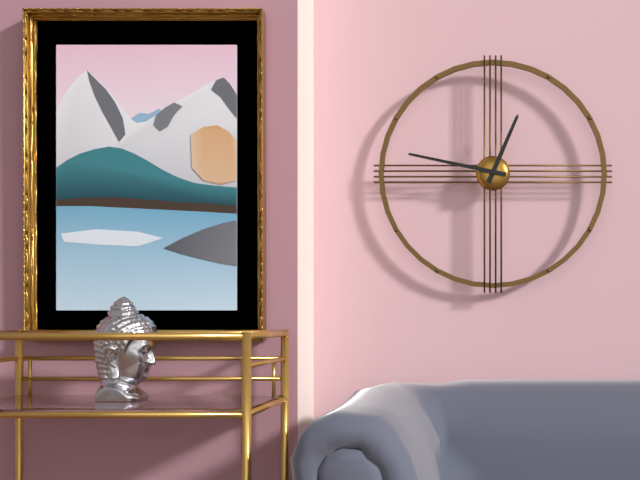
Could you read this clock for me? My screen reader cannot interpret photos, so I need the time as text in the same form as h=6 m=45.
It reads h=12 m=47
